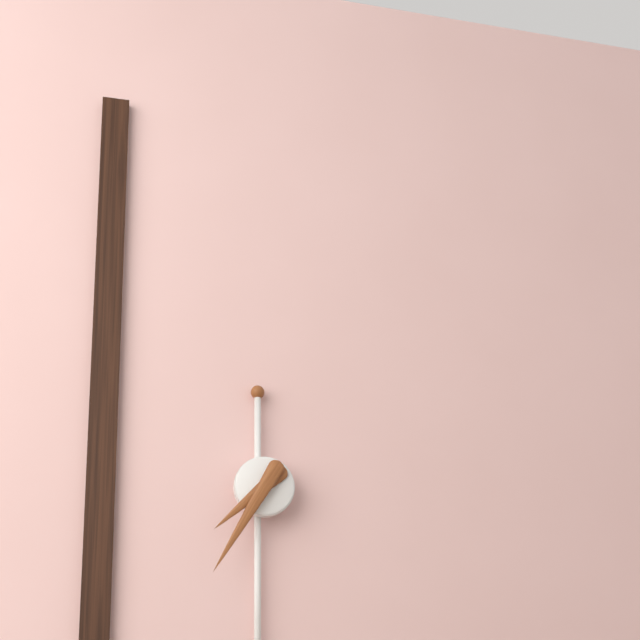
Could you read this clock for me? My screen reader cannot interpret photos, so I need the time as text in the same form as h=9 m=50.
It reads h=7 m=35
